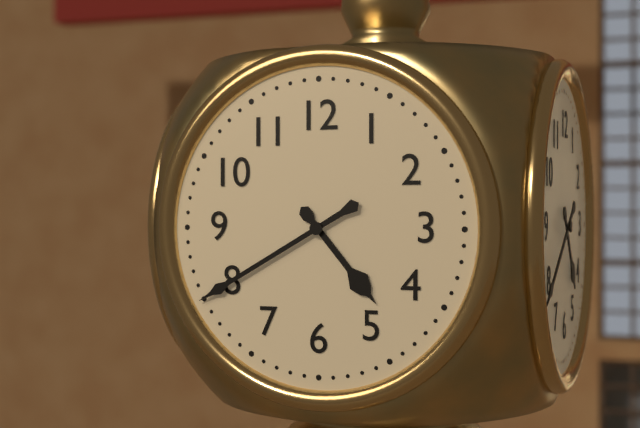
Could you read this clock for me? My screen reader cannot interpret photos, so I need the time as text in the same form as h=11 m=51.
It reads h=4 m=40
